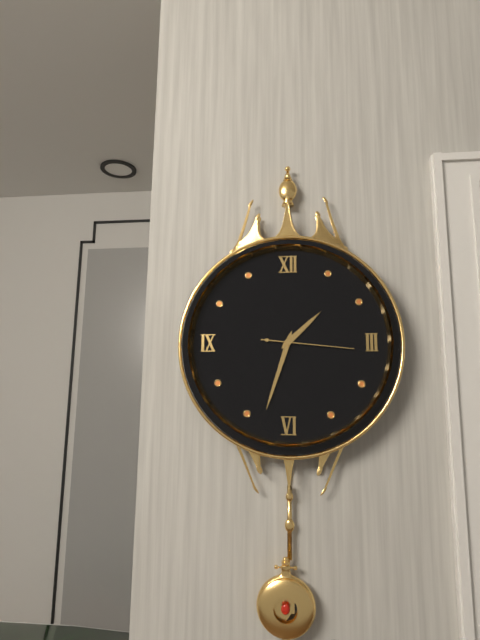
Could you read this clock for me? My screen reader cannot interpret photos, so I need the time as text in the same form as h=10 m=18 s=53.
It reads h=1 m=33 s=16
